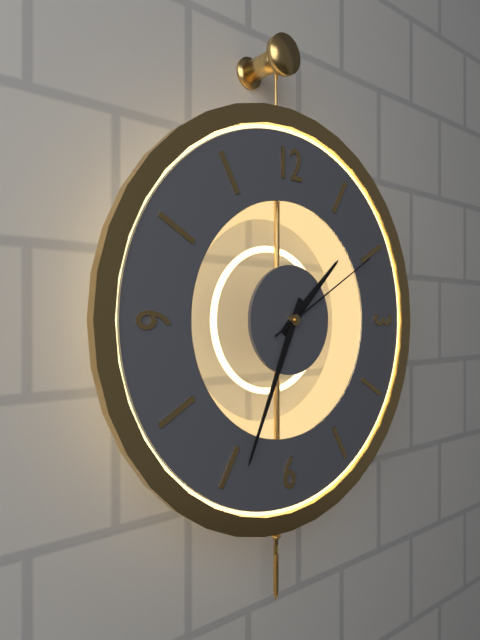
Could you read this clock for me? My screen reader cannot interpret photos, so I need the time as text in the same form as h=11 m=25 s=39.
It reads h=1 m=34 s=10
